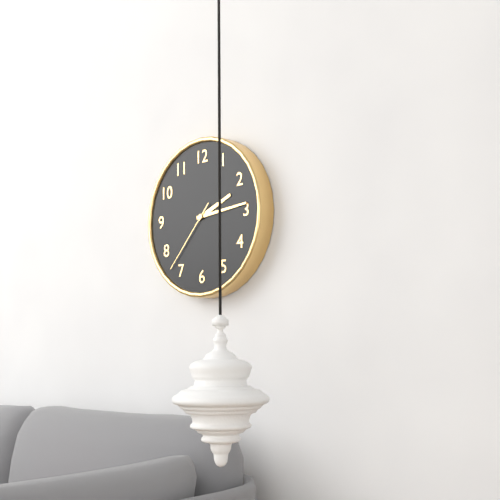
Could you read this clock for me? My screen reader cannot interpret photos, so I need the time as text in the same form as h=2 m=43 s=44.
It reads h=2 m=14 s=37
